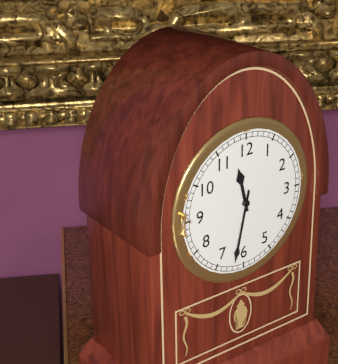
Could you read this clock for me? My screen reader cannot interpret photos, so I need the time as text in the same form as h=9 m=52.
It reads h=11 m=32
